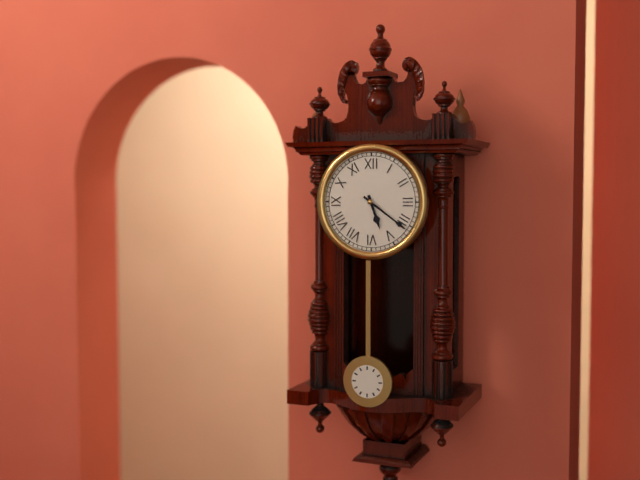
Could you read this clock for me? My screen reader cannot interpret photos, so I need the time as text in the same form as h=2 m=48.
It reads h=5 m=21
